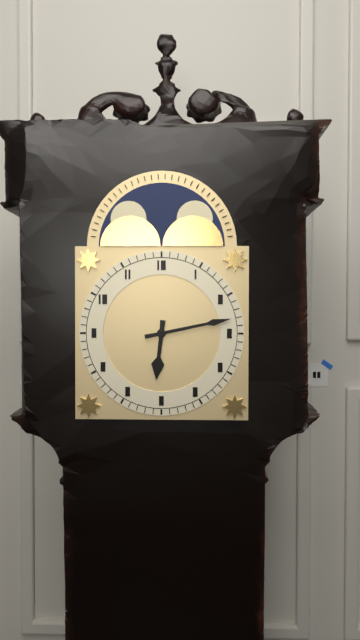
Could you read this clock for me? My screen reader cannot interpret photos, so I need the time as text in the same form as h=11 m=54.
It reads h=6 m=13
